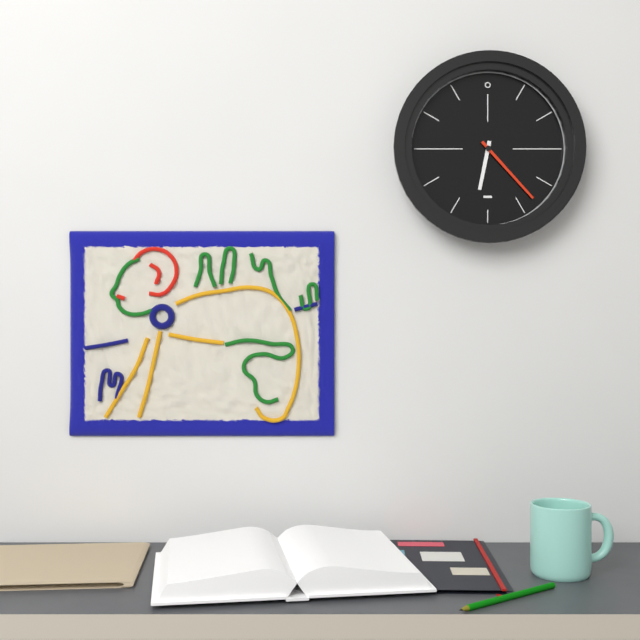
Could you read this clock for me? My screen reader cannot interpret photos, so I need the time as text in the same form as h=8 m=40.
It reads h=6 m=23
